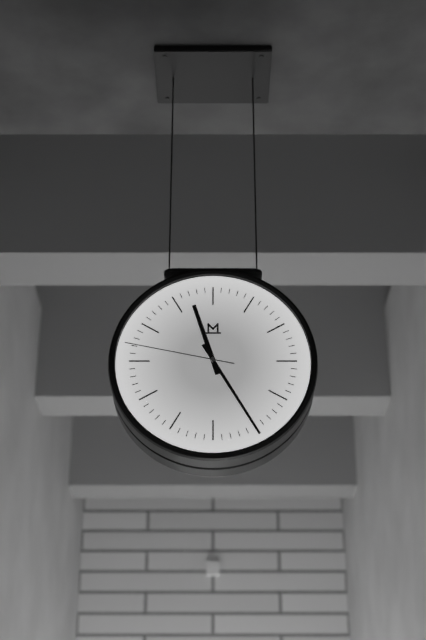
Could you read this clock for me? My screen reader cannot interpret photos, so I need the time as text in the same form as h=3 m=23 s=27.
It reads h=11 m=25 s=47
